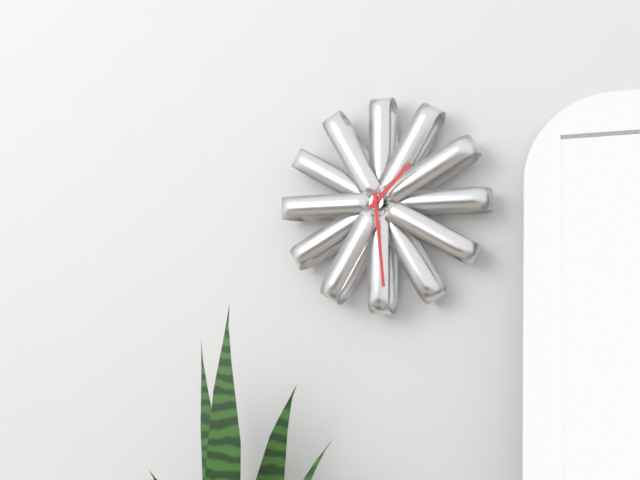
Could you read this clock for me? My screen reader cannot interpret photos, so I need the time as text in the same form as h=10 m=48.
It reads h=1 m=29
